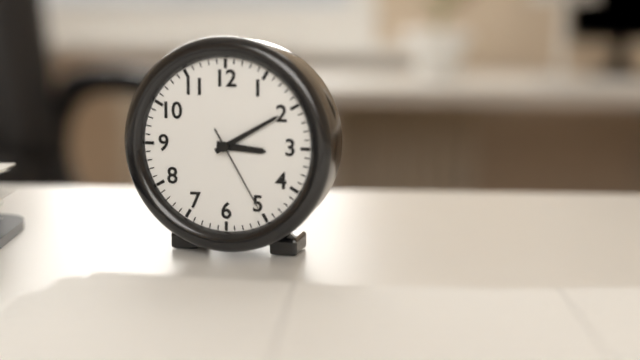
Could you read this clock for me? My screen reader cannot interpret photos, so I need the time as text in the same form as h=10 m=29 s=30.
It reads h=3 m=10 s=25
